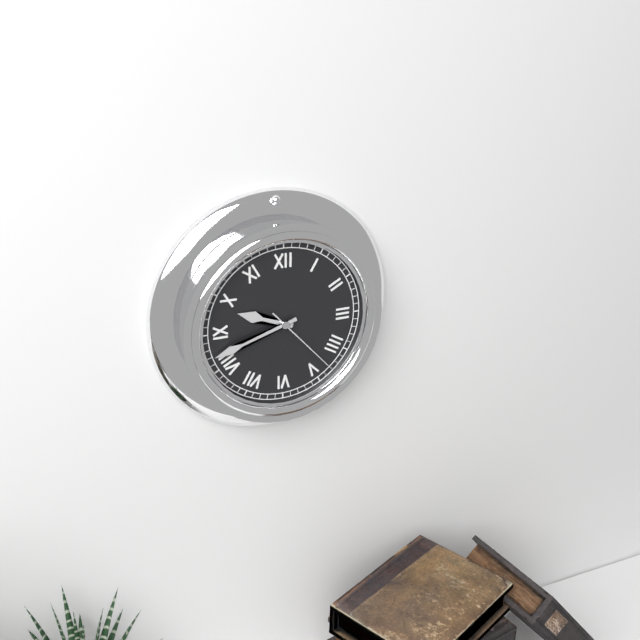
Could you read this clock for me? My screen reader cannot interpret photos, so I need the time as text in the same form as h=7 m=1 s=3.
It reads h=9 m=42 s=23
